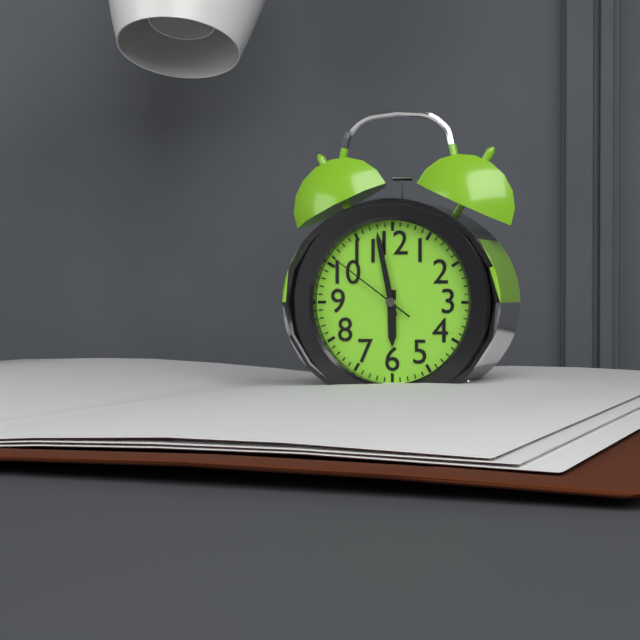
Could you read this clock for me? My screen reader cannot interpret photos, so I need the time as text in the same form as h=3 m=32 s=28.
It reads h=5 m=58 s=51
